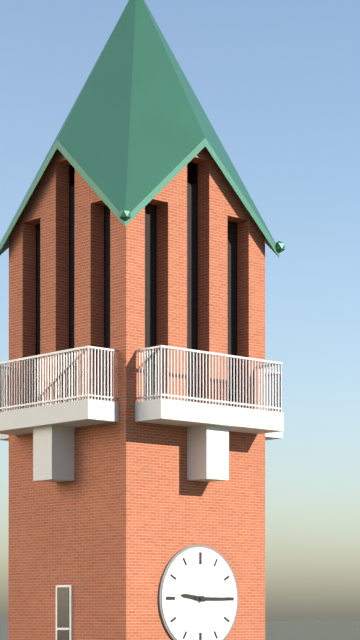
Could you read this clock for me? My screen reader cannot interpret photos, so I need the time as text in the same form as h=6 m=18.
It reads h=9 m=15
